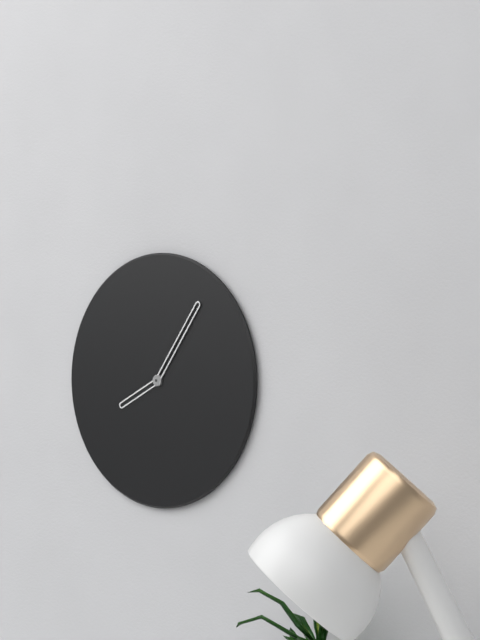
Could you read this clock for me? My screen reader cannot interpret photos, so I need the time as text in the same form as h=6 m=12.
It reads h=8 m=6
